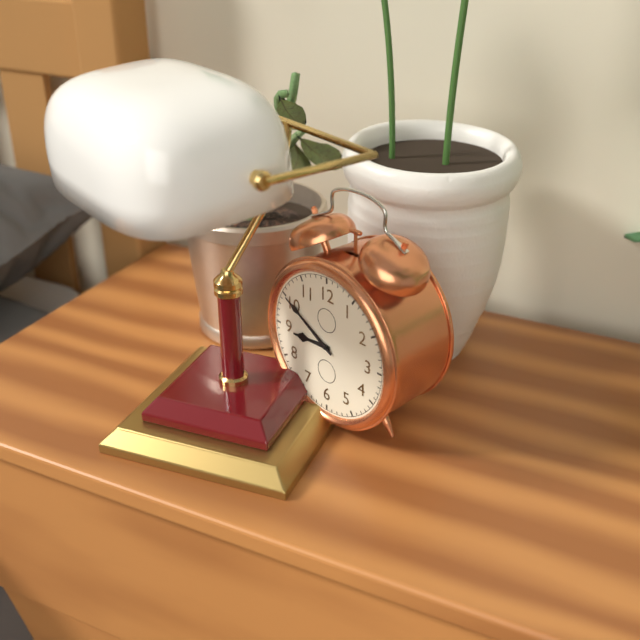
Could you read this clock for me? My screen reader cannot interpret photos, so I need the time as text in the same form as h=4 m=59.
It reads h=8 m=50
